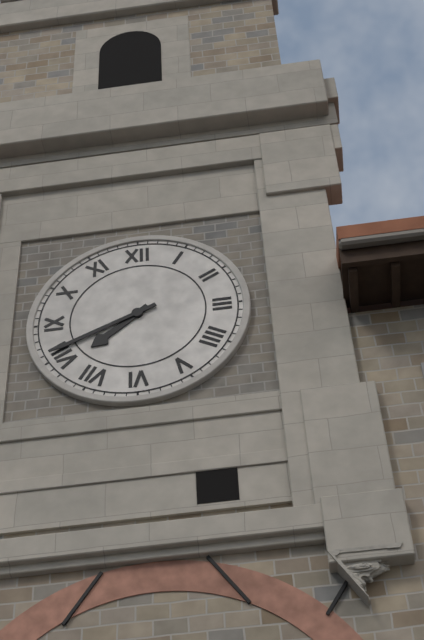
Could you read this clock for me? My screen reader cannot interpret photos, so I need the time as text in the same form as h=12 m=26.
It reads h=7 m=41
